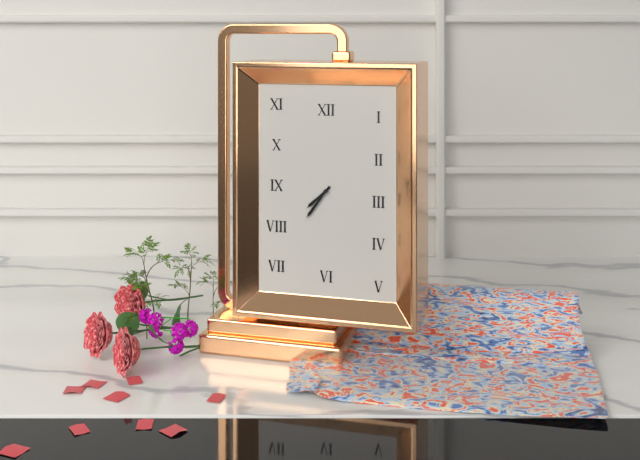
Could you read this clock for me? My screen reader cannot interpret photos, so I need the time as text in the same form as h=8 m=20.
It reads h=7 m=36
